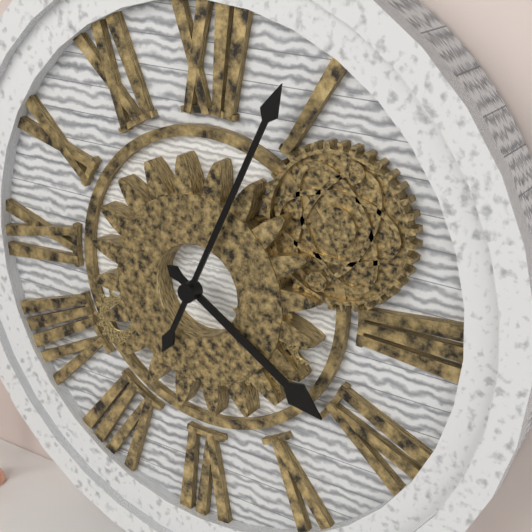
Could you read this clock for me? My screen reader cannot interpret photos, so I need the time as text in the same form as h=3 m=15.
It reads h=4 m=4
